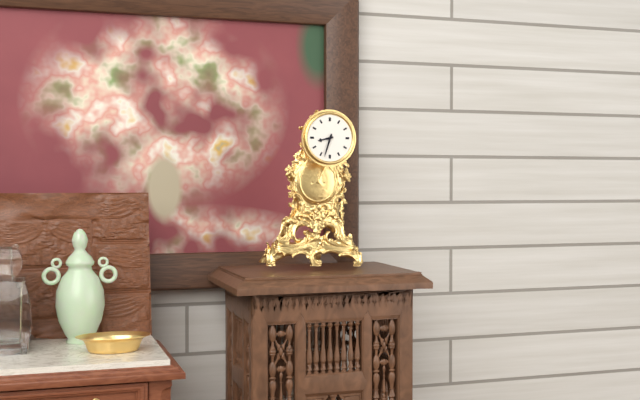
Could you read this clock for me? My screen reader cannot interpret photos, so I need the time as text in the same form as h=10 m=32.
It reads h=8 m=33
